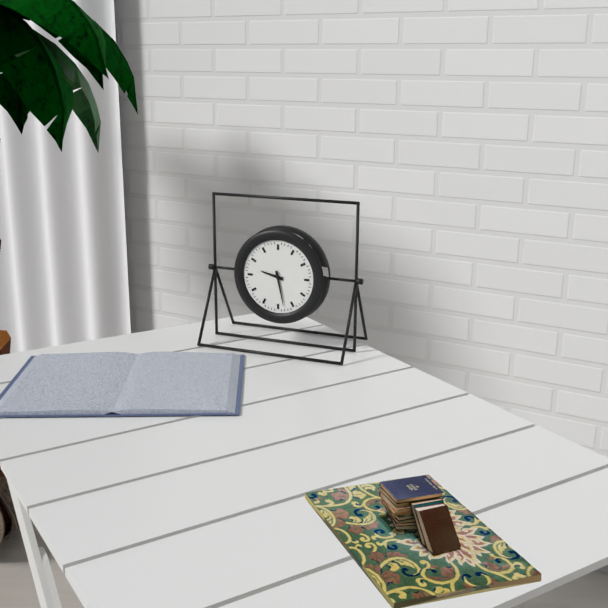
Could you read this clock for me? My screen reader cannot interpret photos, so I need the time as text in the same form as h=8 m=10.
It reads h=9 m=28
